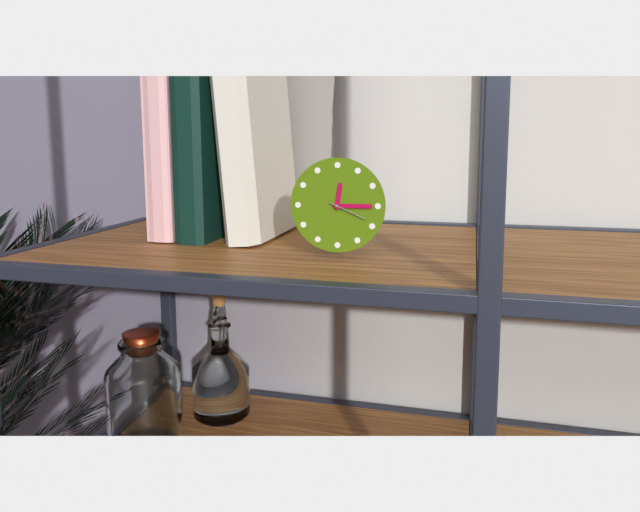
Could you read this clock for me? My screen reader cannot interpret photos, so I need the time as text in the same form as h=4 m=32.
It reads h=12 m=15
